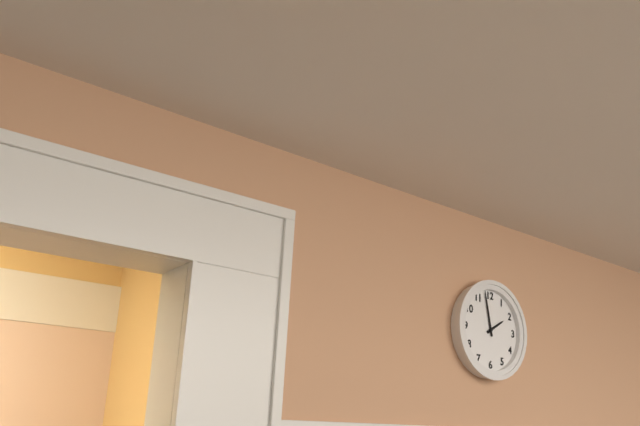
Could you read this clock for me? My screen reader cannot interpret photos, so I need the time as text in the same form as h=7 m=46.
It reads h=1 m=58
